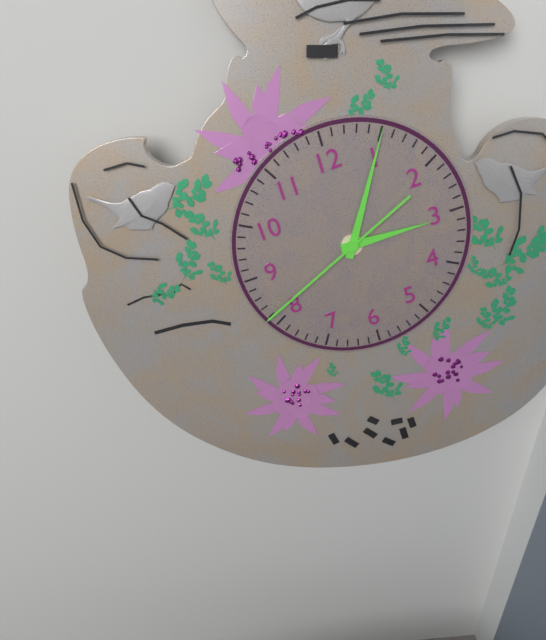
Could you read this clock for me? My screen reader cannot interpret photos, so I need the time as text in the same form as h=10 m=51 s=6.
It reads h=3 m=5 s=41
